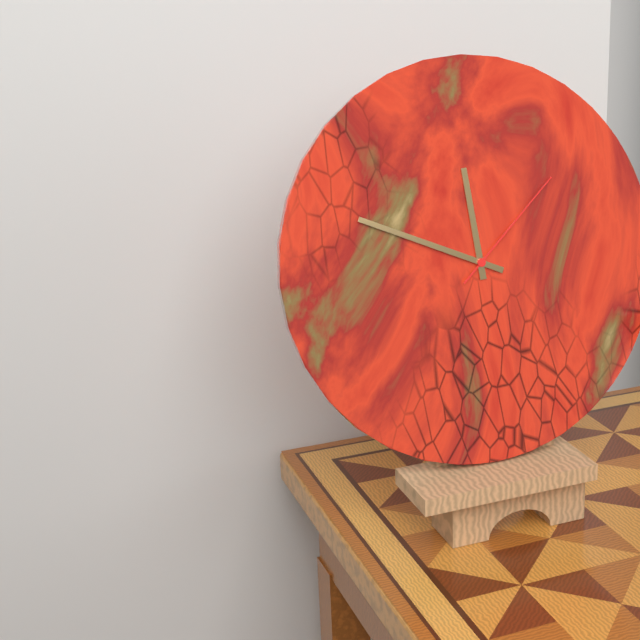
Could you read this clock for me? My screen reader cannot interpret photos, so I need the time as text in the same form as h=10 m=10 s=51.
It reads h=11 m=49 s=8
